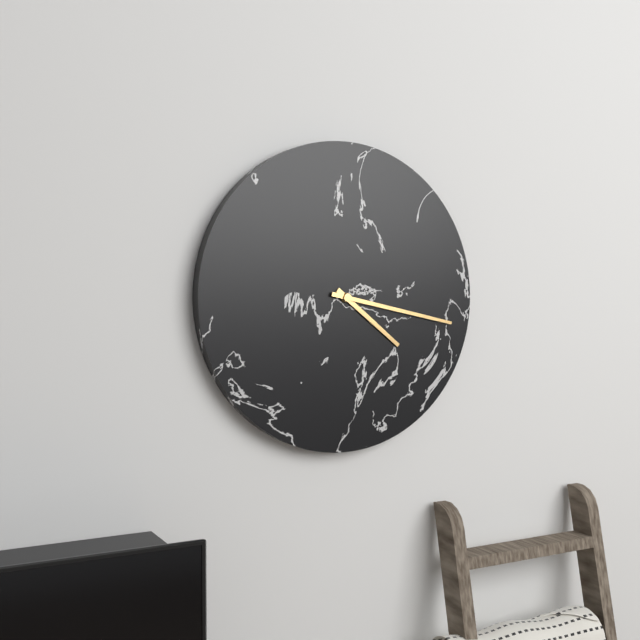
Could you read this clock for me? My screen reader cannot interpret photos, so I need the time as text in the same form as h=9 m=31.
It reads h=4 m=17
